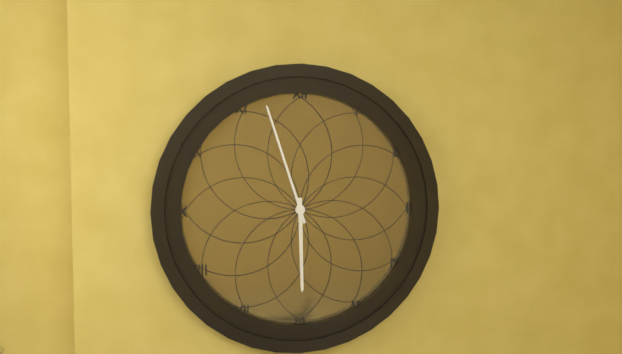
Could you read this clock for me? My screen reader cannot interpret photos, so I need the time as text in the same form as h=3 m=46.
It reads h=5 m=57
